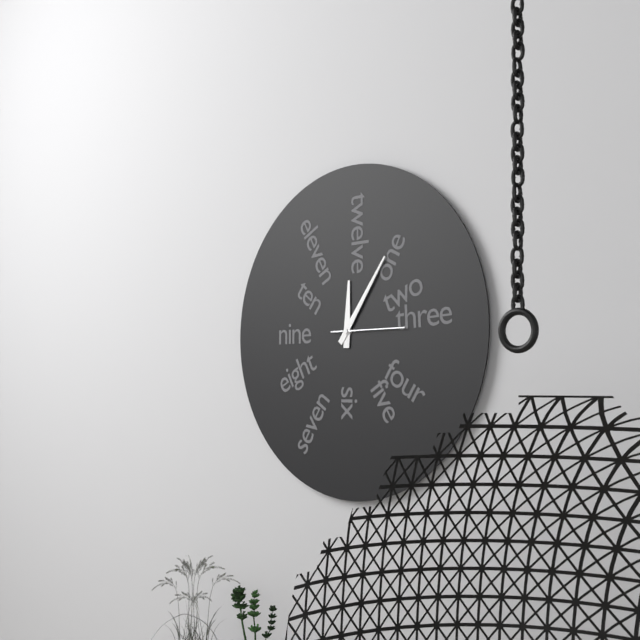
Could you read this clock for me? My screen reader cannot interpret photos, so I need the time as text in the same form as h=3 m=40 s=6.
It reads h=12 m=6 s=15
